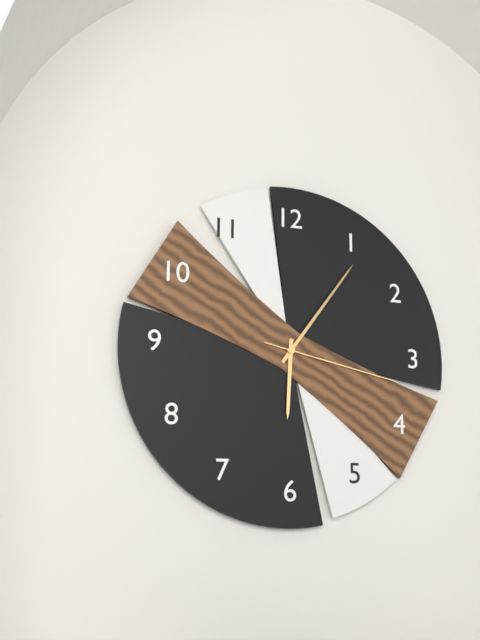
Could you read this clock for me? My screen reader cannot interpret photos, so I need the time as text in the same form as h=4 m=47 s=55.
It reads h=6 m=6 s=17
